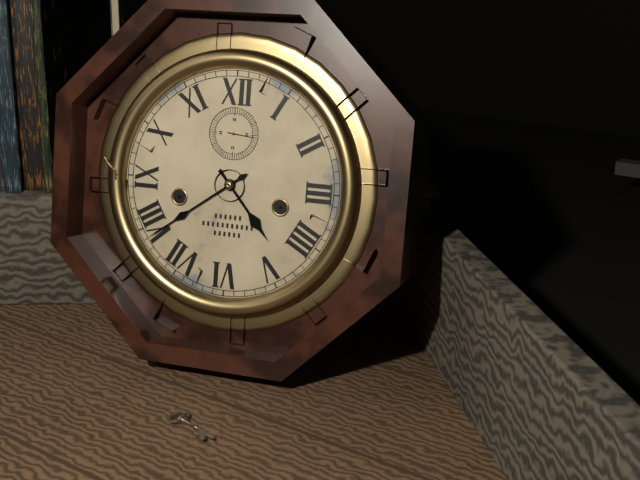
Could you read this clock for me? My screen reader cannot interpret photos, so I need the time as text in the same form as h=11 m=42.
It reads h=4 m=39
